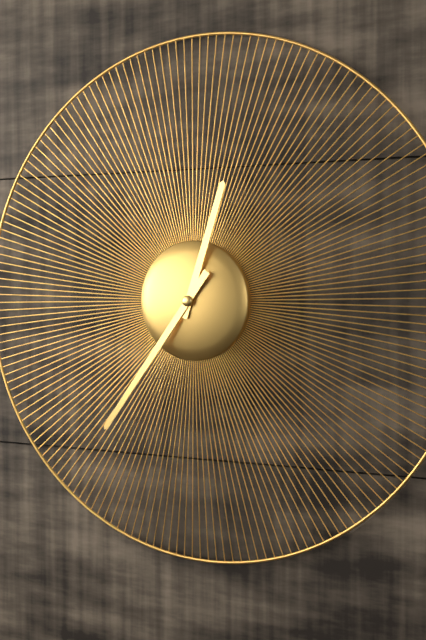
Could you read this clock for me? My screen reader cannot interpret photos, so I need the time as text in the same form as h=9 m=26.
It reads h=12 m=36
